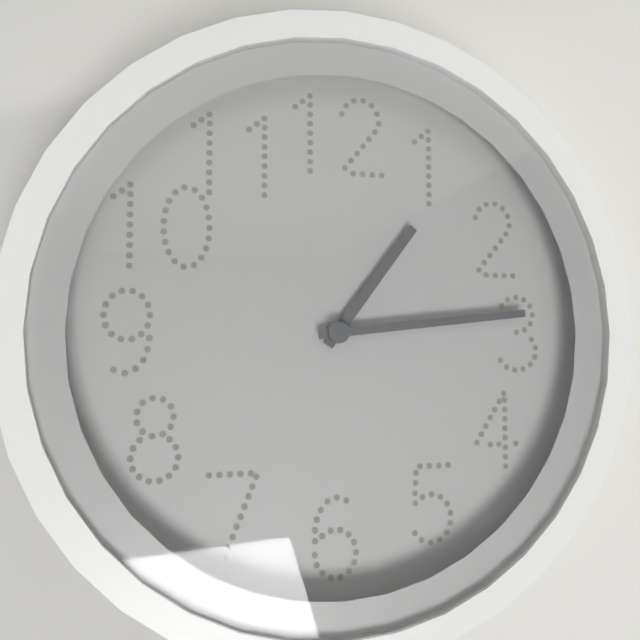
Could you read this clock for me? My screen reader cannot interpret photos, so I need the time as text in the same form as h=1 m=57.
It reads h=1 m=14
